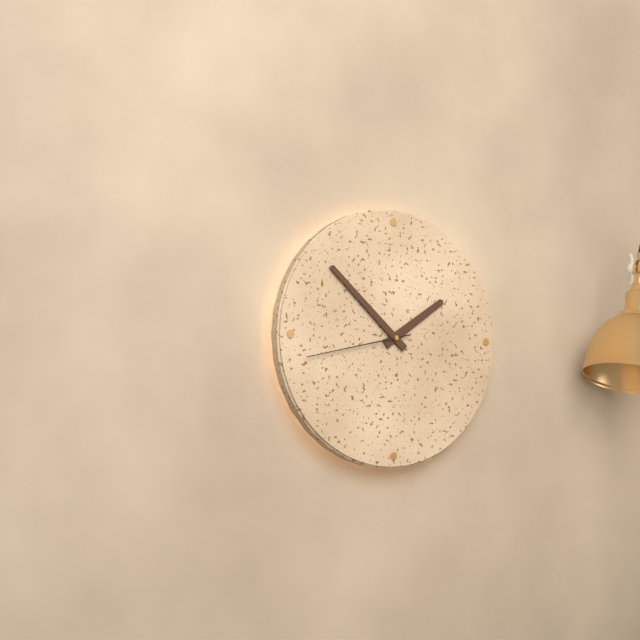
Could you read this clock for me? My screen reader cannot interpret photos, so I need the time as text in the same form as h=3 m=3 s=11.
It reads h=1 m=52 s=43
